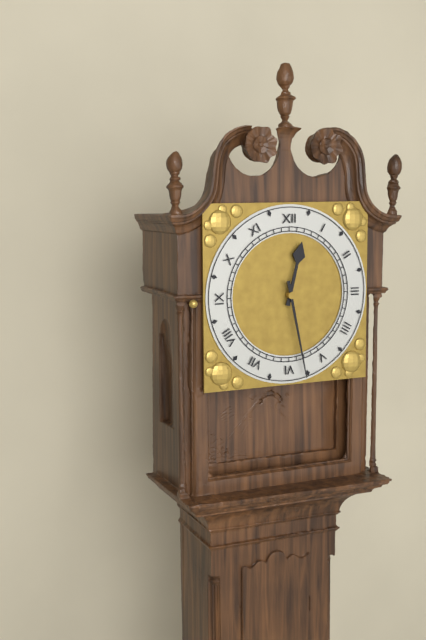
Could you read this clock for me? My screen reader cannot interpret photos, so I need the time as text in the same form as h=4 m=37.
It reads h=12 m=28
